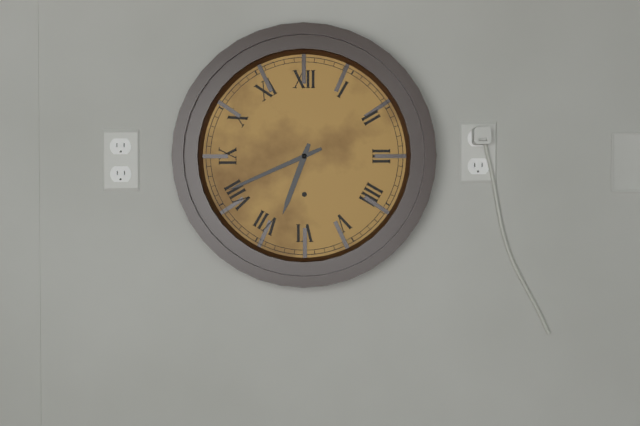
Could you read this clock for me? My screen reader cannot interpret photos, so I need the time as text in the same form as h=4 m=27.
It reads h=6 m=41
